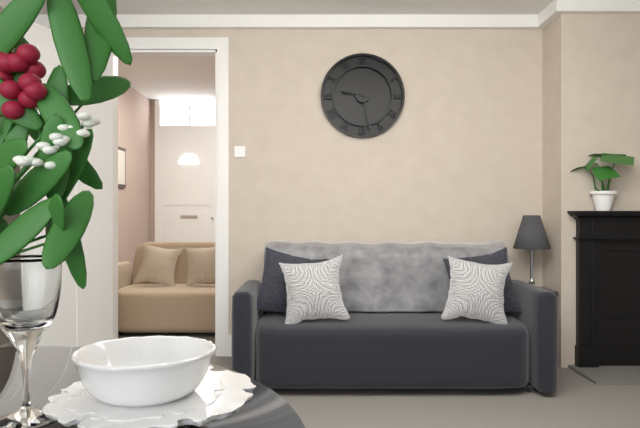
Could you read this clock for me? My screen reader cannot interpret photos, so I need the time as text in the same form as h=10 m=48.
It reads h=9 m=28
